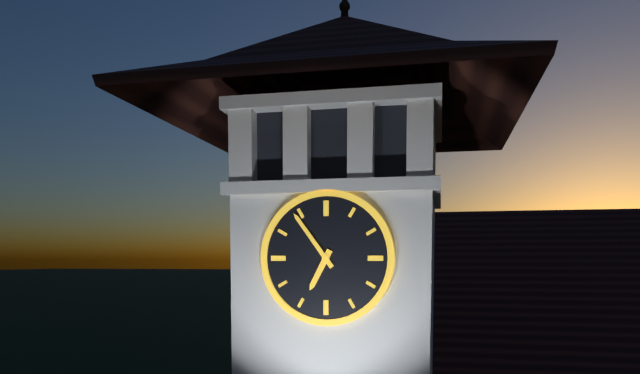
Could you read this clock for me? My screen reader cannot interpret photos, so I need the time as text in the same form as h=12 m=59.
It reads h=6 m=54
